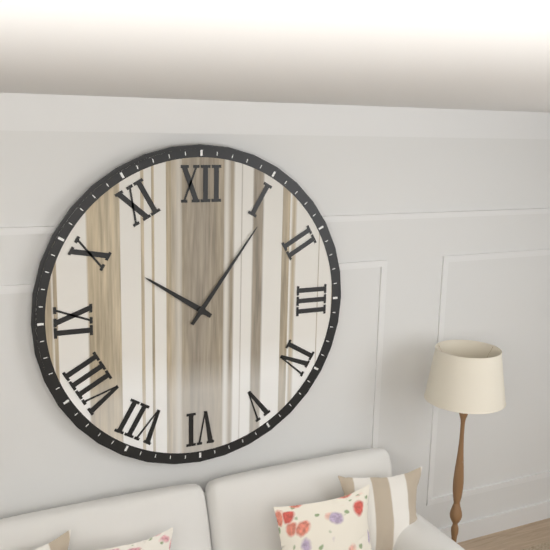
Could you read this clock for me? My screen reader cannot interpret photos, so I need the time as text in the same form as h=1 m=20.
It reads h=10 m=6
